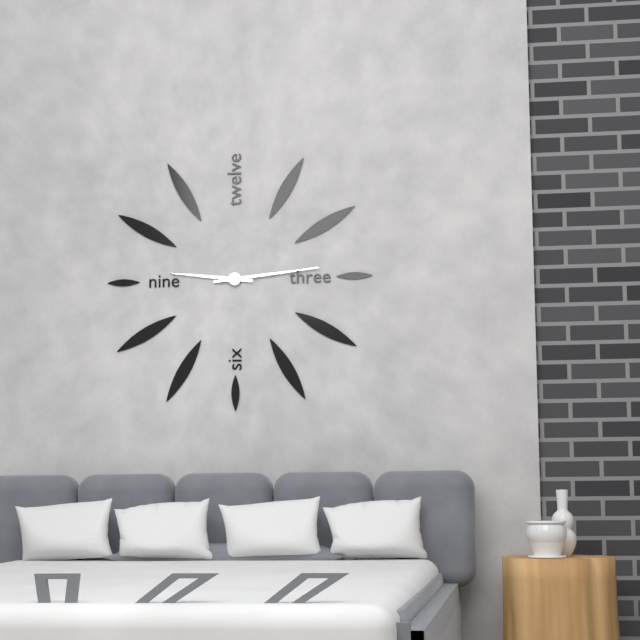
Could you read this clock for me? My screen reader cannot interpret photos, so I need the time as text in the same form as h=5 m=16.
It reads h=9 m=14
